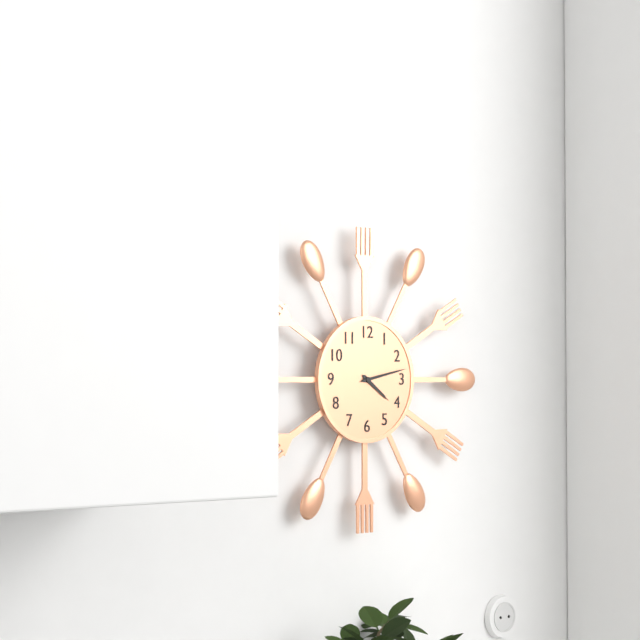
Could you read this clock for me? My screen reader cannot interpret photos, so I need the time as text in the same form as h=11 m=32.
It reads h=4 m=13
